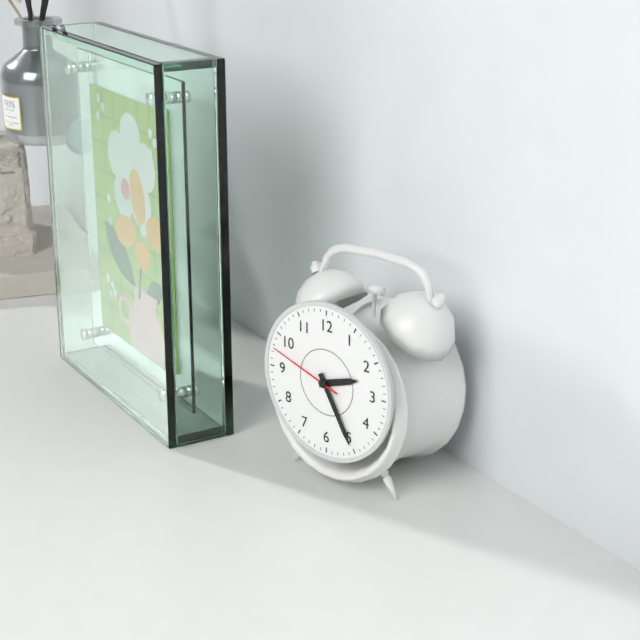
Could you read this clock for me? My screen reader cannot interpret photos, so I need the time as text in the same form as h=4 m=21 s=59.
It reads h=2 m=25 s=48
